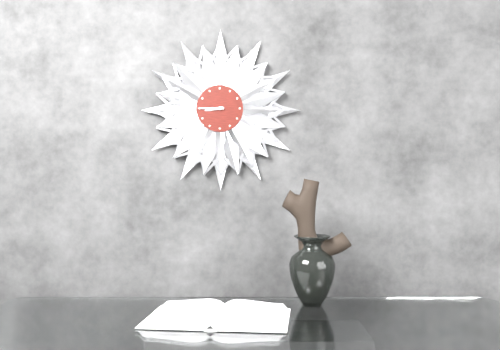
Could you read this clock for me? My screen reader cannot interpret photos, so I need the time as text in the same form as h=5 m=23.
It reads h=8 m=45
